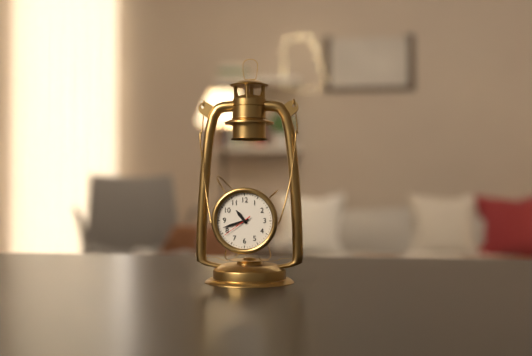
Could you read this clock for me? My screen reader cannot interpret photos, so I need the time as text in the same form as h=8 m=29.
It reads h=10 m=42
